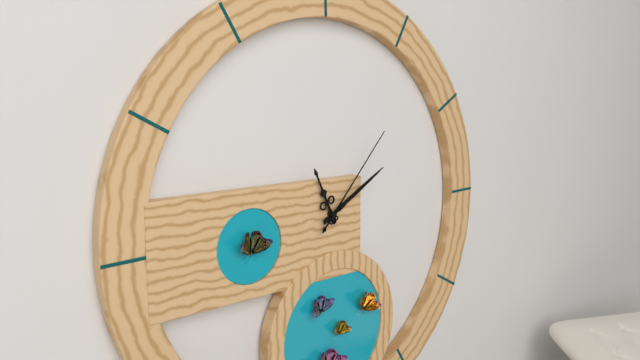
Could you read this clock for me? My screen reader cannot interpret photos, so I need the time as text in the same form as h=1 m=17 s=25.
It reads h=11 m=10 s=7
